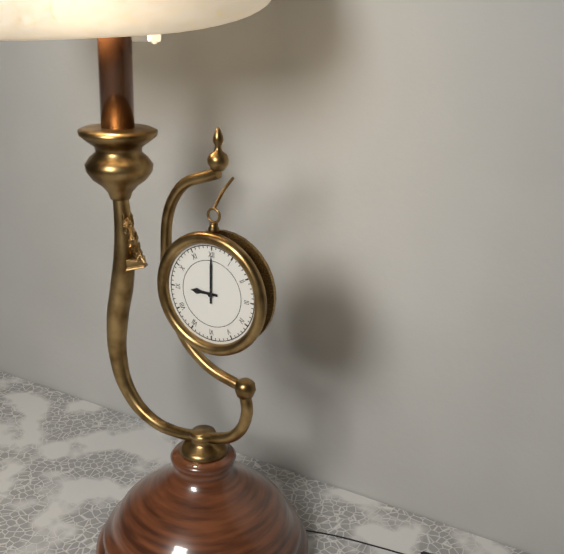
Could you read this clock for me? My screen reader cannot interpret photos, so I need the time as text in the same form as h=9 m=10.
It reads h=9 m=0
